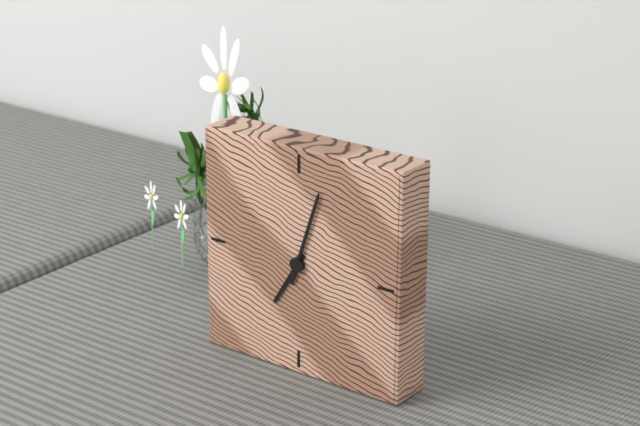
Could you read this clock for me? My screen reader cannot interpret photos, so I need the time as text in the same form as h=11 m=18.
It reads h=7 m=3
